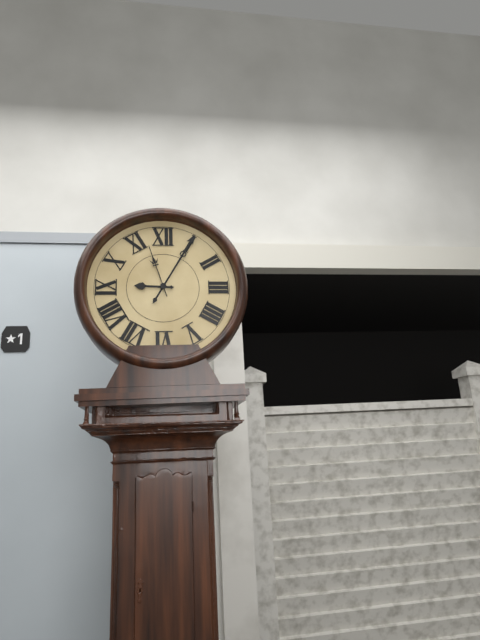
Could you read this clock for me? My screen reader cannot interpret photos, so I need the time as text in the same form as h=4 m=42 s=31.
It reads h=9 m=5 s=57
